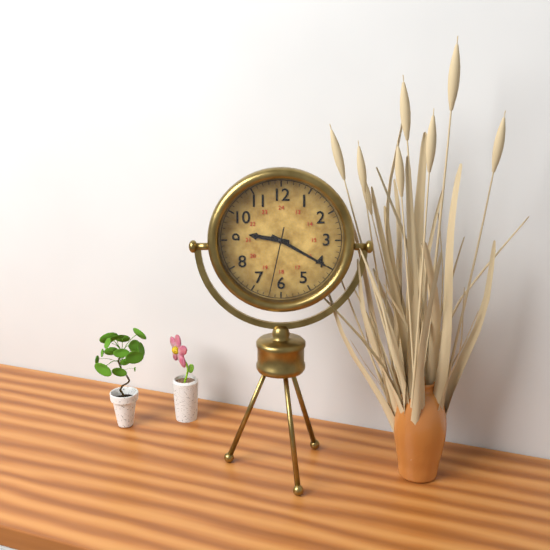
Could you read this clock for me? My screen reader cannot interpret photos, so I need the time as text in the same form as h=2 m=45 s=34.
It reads h=9 m=20 s=32
